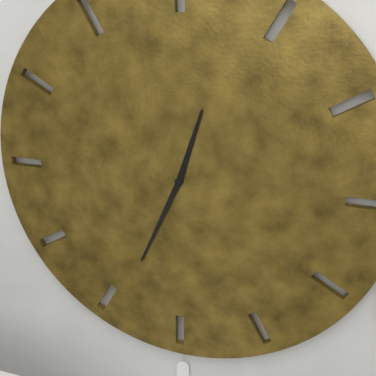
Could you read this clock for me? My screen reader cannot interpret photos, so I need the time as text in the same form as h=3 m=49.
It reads h=12 m=34
